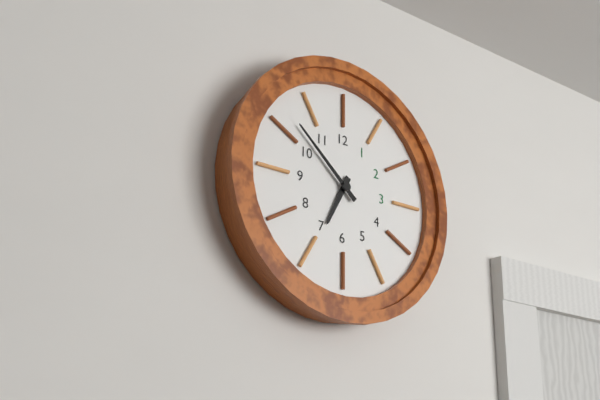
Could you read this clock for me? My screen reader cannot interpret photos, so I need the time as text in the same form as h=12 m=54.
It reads h=6 m=52
